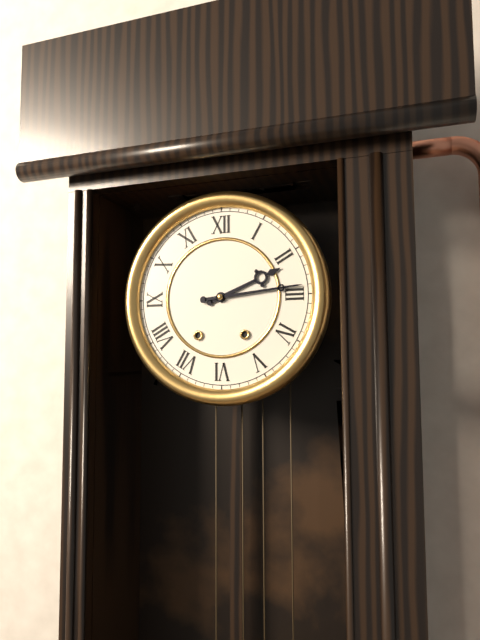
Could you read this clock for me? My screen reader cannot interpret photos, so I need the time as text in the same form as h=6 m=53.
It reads h=2 m=14
